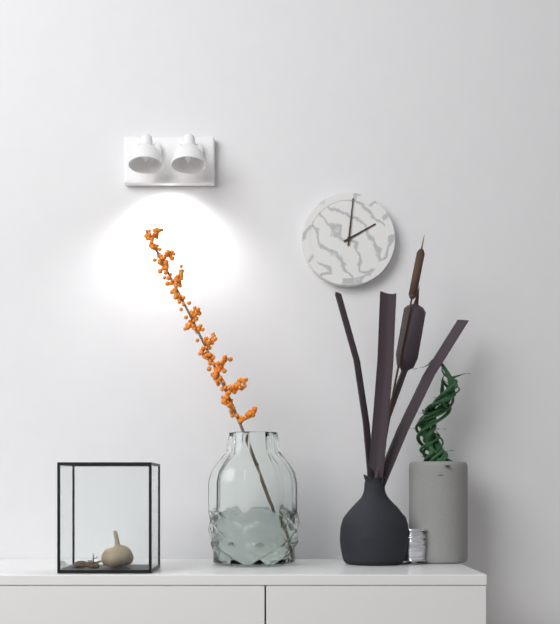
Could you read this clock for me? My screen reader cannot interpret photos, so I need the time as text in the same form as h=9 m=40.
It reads h=2 m=1
